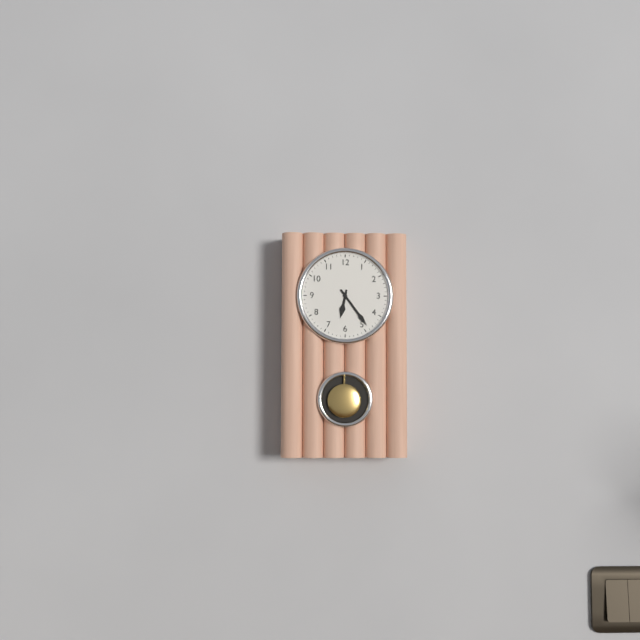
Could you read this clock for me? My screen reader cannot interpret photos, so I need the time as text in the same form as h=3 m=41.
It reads h=6 m=24
